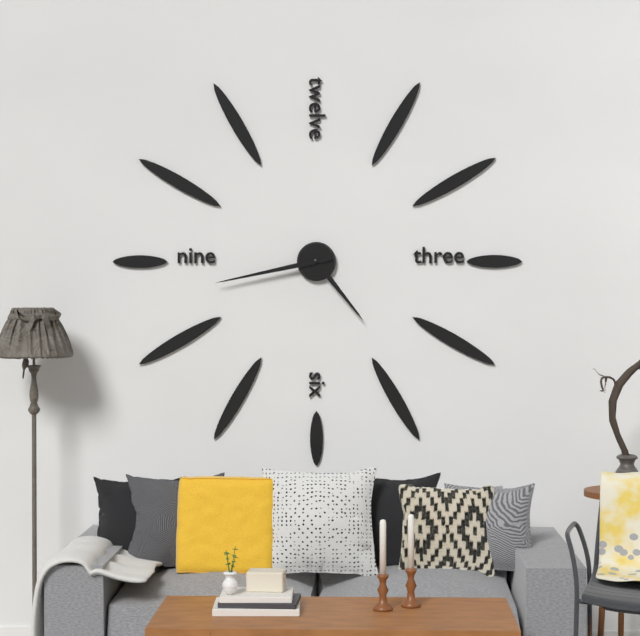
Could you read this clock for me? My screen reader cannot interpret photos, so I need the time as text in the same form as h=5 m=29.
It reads h=4 m=43
